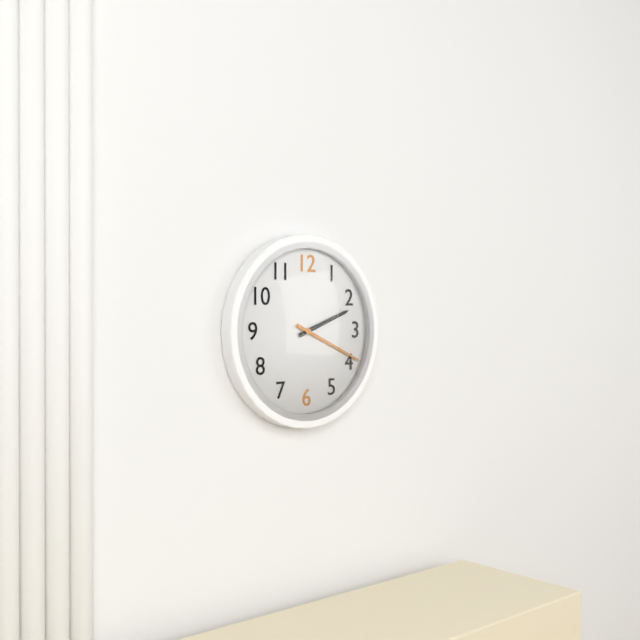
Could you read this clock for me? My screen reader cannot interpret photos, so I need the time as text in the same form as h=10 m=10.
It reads h=2 m=19
